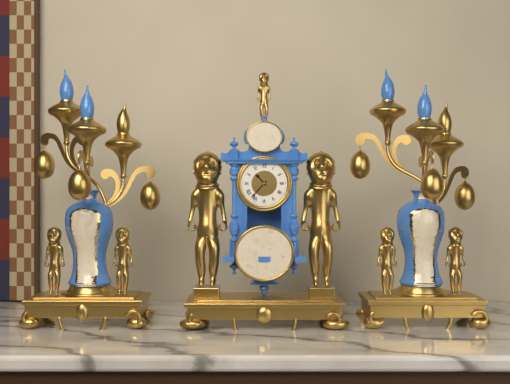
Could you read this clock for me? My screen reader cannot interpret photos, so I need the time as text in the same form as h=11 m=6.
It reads h=10 m=37
